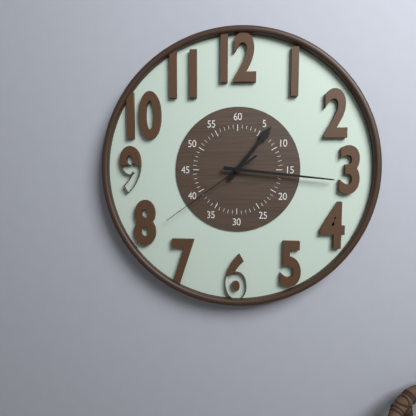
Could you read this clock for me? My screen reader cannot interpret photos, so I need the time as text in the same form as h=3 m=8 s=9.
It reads h=1 m=16 s=39
